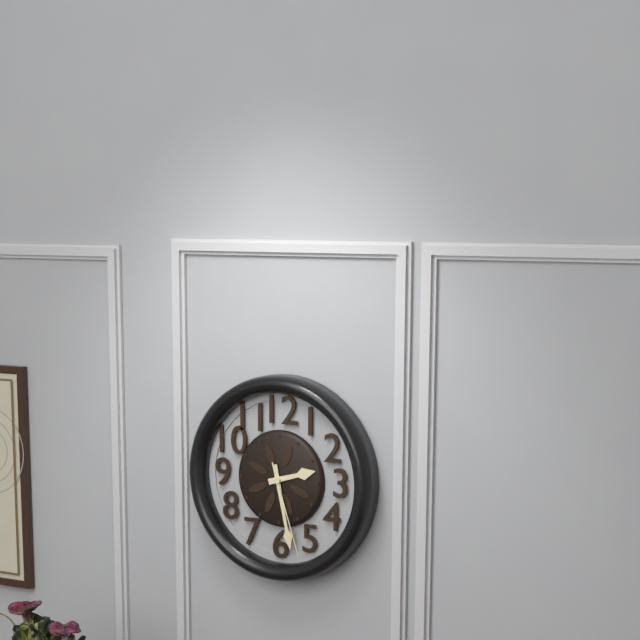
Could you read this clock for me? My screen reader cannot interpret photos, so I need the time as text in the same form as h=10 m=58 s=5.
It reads h=2 m=28 s=27
